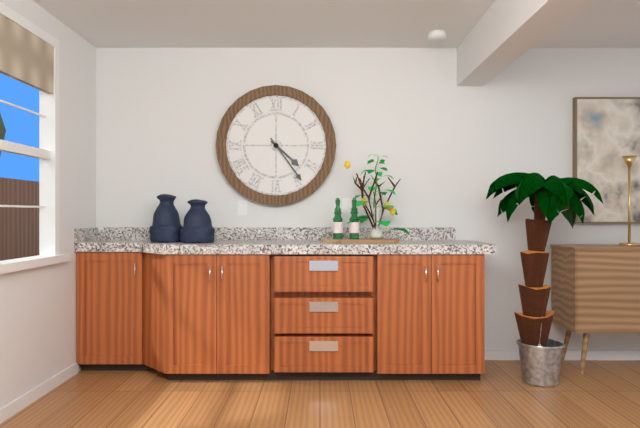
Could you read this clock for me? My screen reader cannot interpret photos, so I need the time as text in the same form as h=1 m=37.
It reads h=4 m=24
